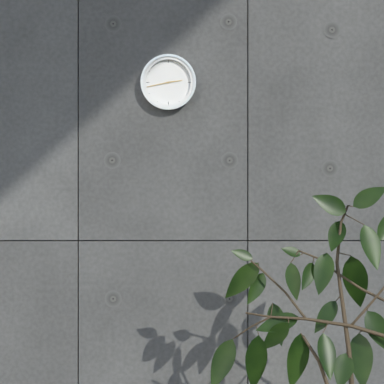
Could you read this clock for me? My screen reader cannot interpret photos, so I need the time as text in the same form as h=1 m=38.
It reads h=2 m=43
